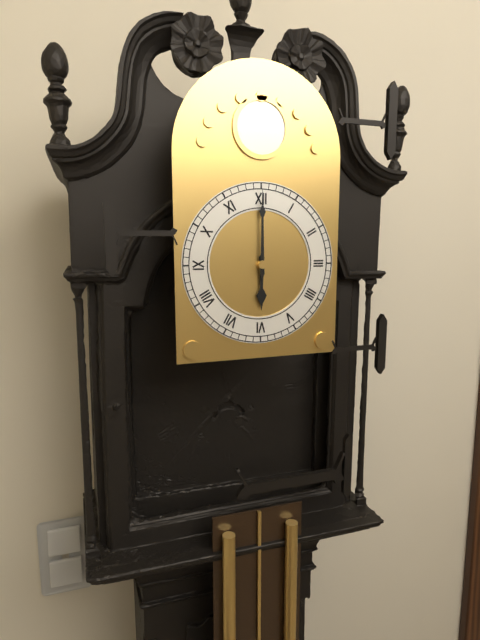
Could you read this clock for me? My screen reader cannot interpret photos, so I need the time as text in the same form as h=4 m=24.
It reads h=6 m=0
